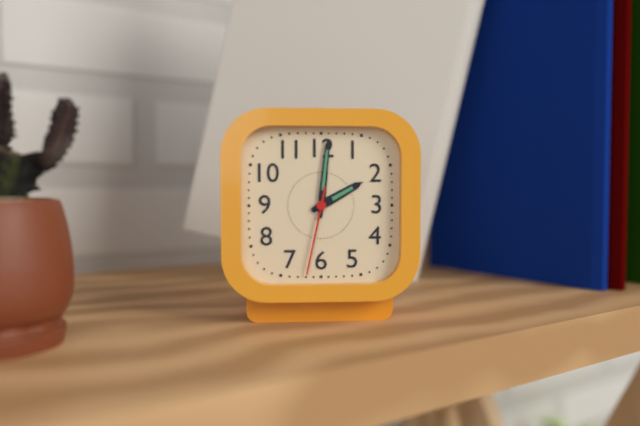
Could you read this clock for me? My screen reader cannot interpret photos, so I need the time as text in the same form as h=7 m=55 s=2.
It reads h=2 m=1 s=32
